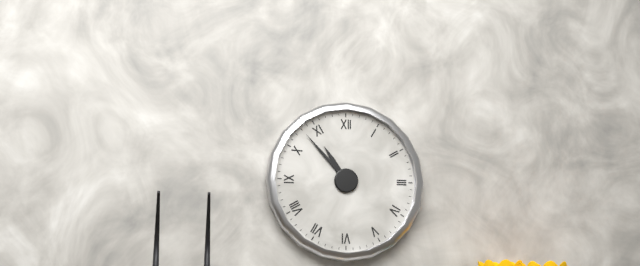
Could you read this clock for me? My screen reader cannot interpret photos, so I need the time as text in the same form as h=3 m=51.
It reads h=10 m=53
